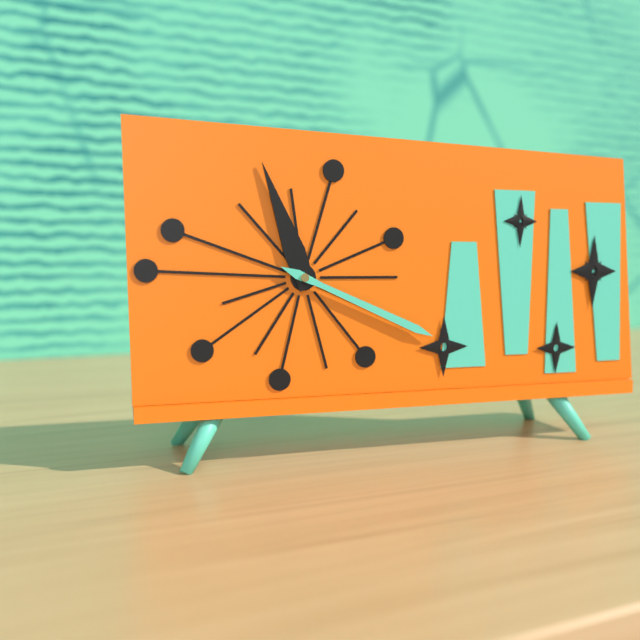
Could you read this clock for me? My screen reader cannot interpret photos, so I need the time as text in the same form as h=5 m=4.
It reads h=11 m=19
